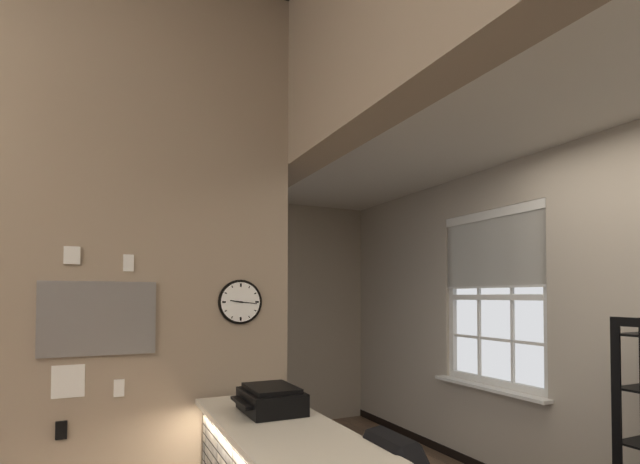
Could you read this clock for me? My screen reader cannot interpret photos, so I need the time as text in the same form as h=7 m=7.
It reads h=9 m=16
